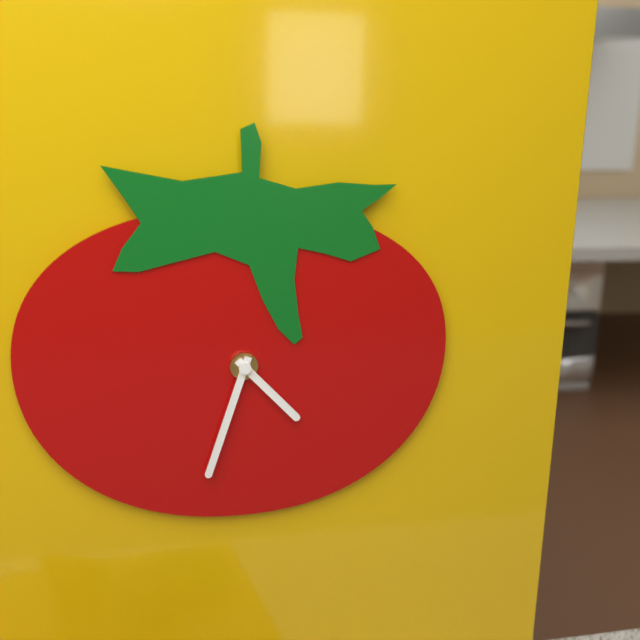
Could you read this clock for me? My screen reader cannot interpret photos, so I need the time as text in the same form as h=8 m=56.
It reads h=4 m=33
